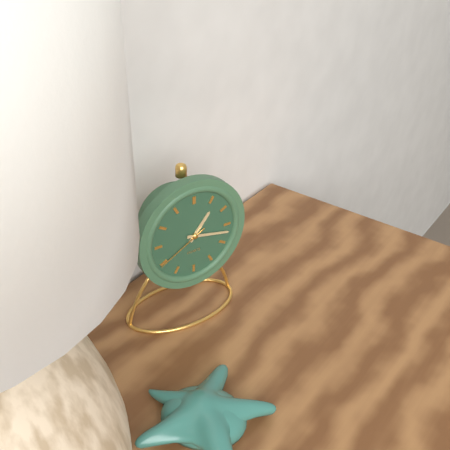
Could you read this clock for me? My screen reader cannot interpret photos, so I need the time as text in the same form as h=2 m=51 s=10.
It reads h=1 m=17 s=40
